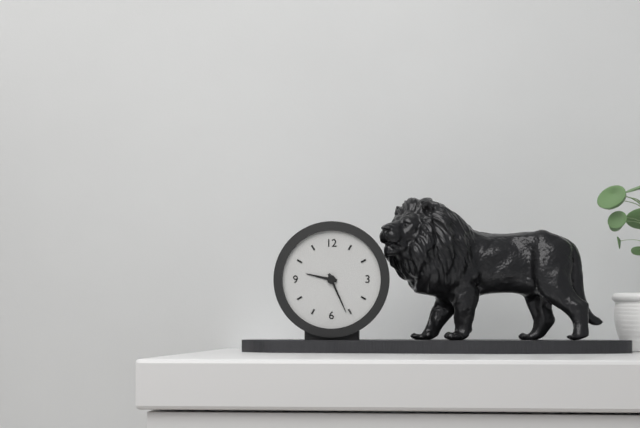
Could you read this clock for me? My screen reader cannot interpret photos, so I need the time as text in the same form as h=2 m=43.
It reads h=9 m=26
